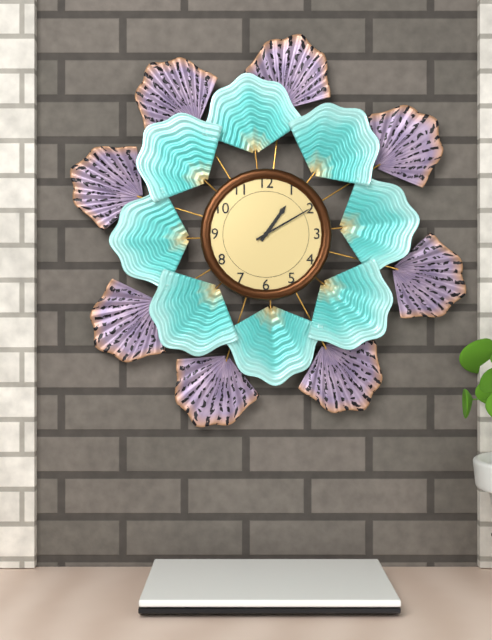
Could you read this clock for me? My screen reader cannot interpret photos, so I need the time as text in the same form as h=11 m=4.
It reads h=1 m=10
